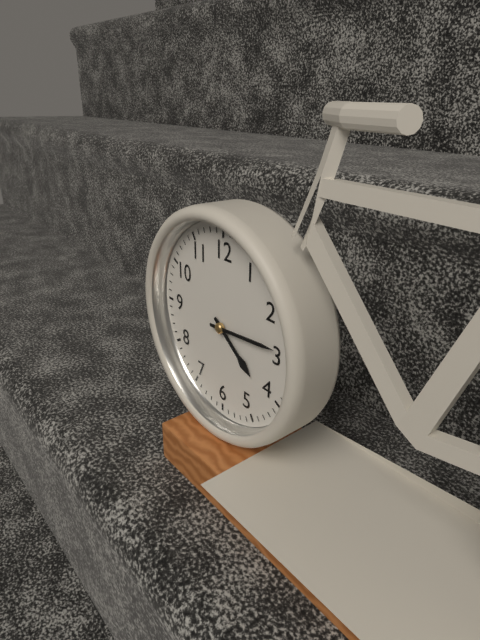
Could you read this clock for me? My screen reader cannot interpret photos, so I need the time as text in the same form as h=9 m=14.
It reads h=4 m=14
